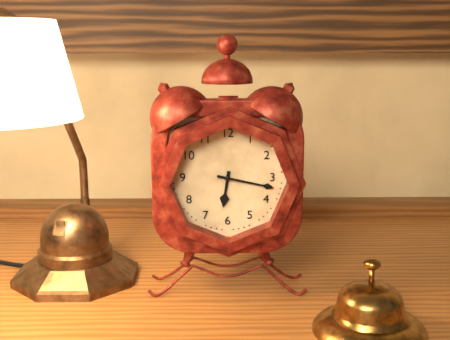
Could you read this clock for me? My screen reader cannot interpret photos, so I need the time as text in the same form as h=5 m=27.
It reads h=6 m=17
